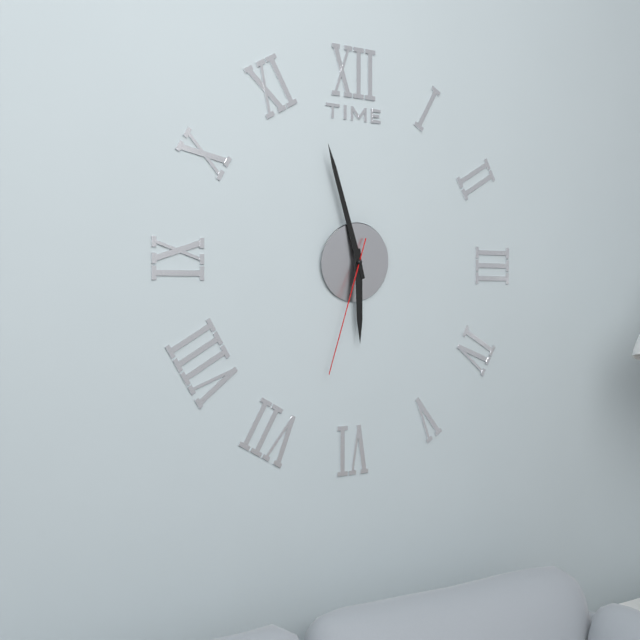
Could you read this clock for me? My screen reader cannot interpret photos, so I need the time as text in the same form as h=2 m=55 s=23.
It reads h=5 m=57 s=33
